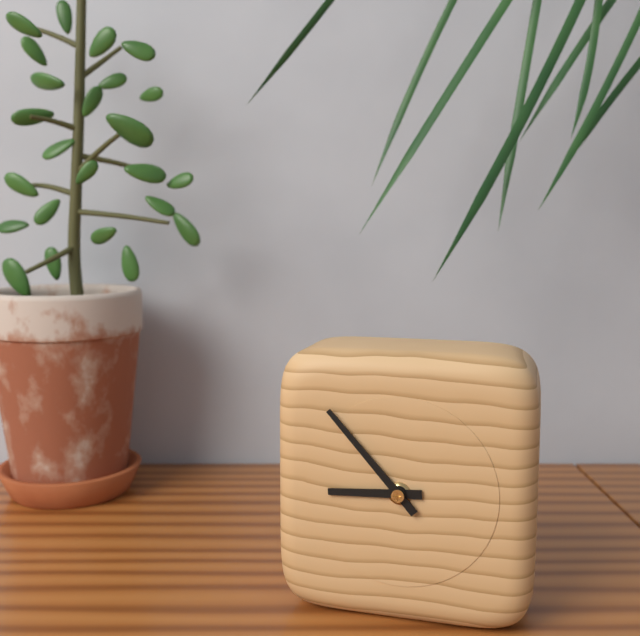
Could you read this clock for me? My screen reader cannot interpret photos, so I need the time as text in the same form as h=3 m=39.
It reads h=8 m=53
